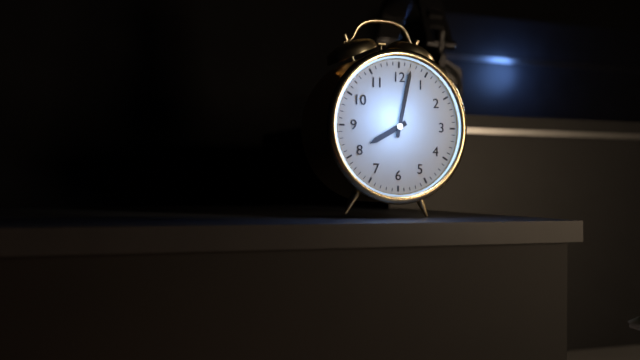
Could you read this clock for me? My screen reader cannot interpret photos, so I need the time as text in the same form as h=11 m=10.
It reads h=8 m=2
